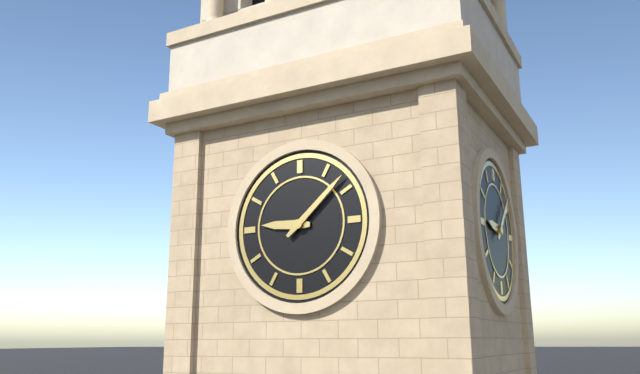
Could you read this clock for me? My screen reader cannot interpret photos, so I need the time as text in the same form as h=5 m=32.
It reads h=9 m=8
